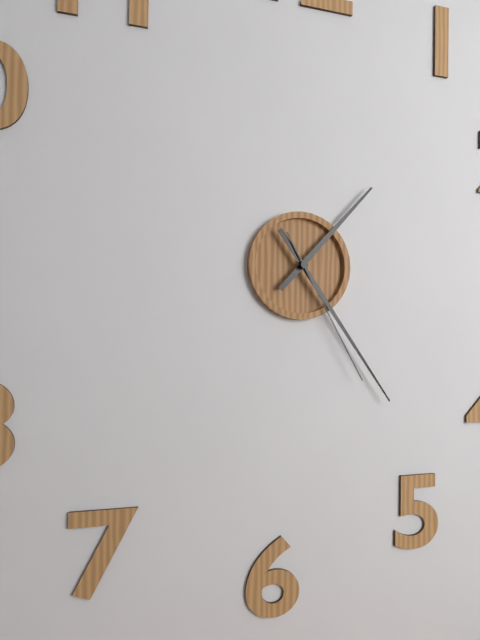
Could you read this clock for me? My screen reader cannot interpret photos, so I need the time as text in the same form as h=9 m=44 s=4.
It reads h=1 m=24 s=25
